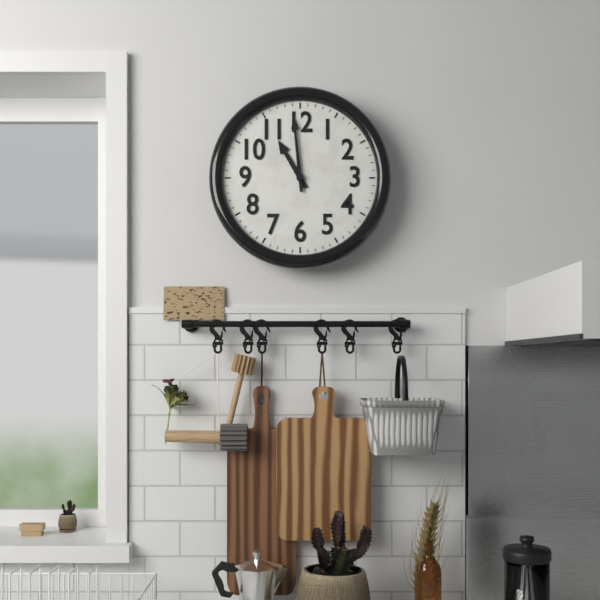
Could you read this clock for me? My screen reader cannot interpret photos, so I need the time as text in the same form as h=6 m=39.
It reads h=10 m=59
